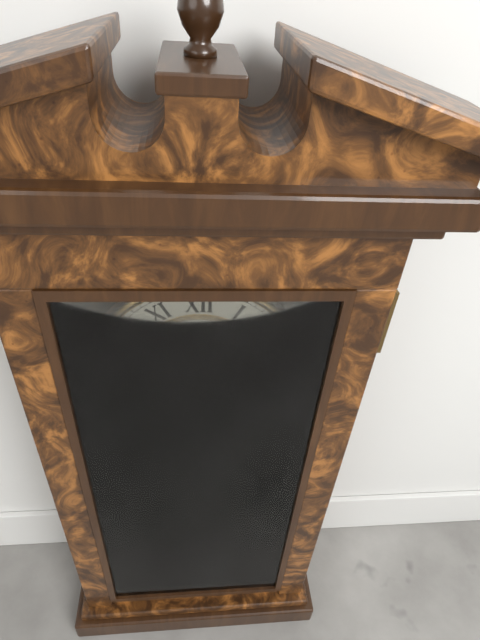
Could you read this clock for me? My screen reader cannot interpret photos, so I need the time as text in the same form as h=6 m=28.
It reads h=5 m=15
